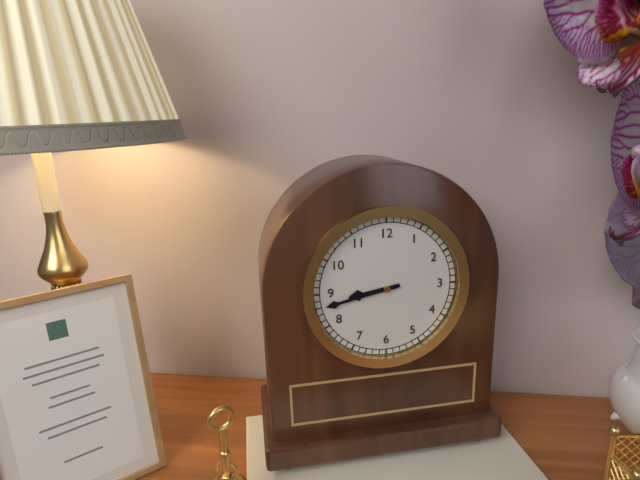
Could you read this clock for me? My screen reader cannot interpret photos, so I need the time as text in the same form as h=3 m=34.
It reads h=8 m=43
